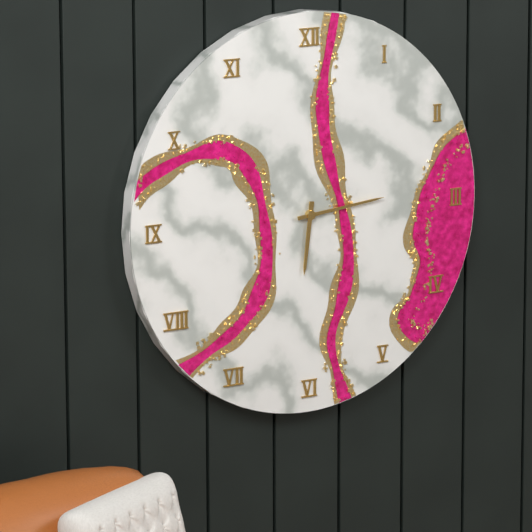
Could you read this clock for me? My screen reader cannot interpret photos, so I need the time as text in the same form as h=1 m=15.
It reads h=6 m=14
